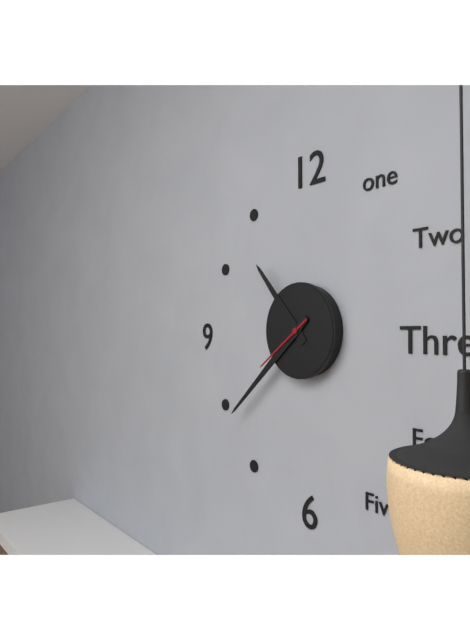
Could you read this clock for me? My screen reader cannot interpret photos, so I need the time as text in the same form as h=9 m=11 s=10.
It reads h=10 m=38 s=39
